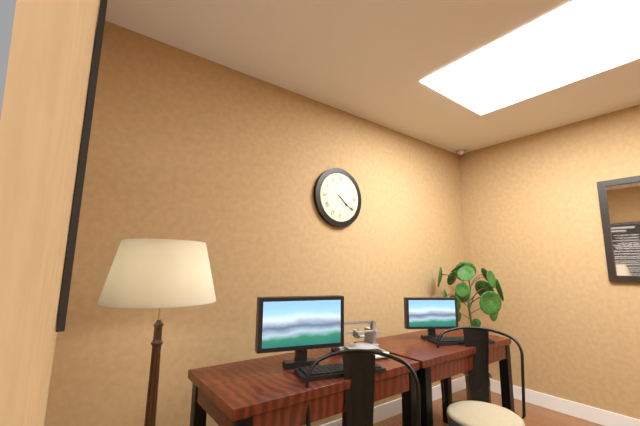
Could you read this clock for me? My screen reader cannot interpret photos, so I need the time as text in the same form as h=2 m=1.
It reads h=4 m=21
